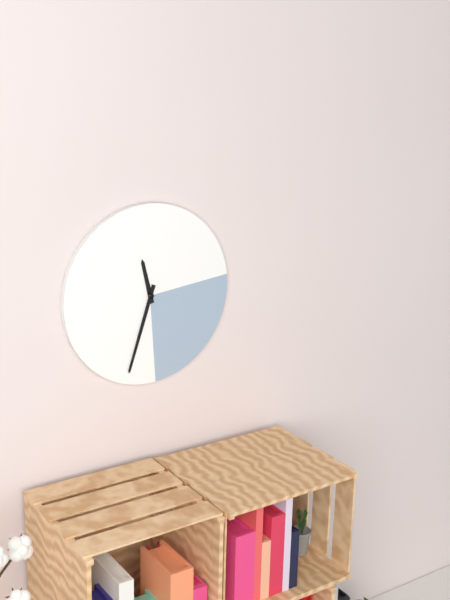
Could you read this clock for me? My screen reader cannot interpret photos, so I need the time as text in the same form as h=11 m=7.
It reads h=11 m=33
